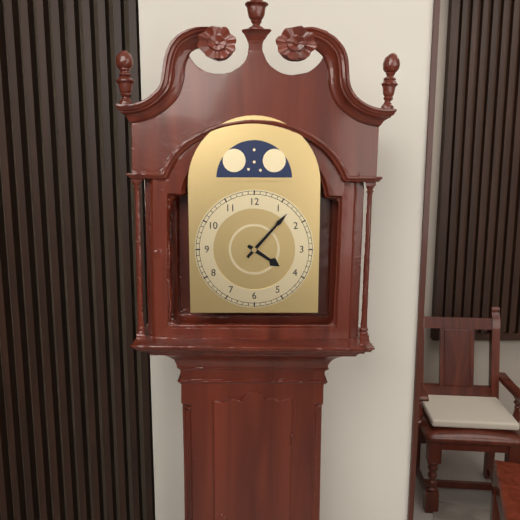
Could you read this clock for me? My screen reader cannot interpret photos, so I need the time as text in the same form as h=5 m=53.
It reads h=4 m=7
